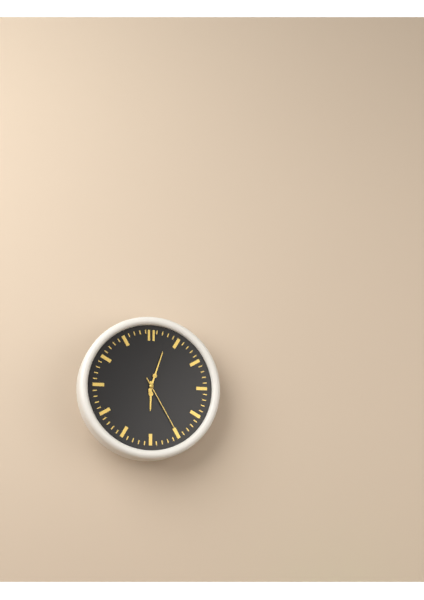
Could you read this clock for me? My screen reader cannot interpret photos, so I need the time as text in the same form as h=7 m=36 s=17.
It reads h=6 m=3 s=25
